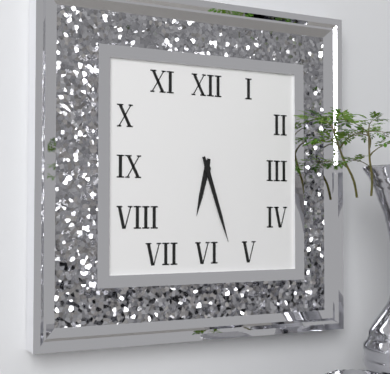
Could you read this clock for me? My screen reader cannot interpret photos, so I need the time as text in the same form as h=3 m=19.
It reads h=6 m=27
